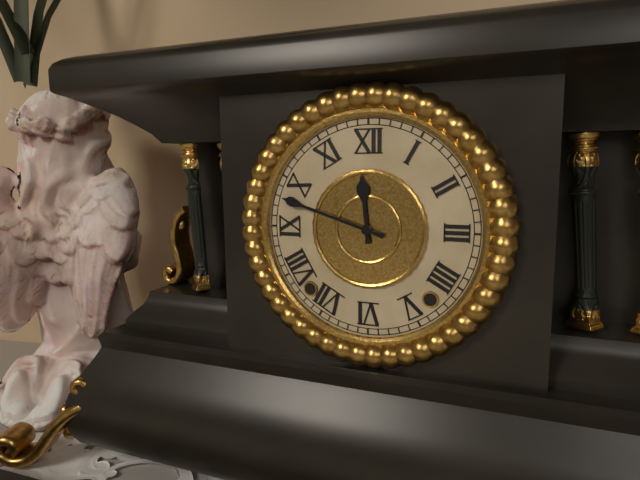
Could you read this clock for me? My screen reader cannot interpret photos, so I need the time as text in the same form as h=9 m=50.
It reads h=11 m=48
